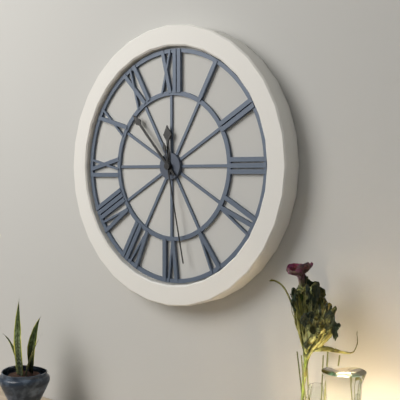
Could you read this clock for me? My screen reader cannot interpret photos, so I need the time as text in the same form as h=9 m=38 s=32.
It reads h=11 m=53 s=28
